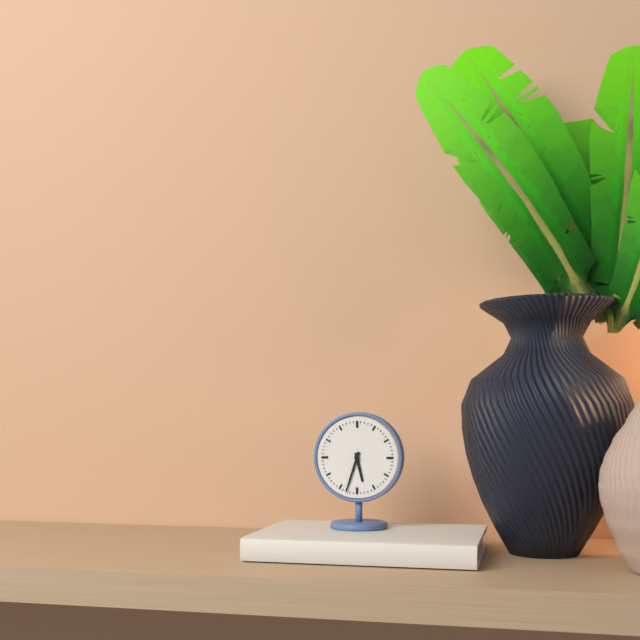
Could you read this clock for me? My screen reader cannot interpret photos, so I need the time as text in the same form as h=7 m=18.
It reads h=5 m=33
